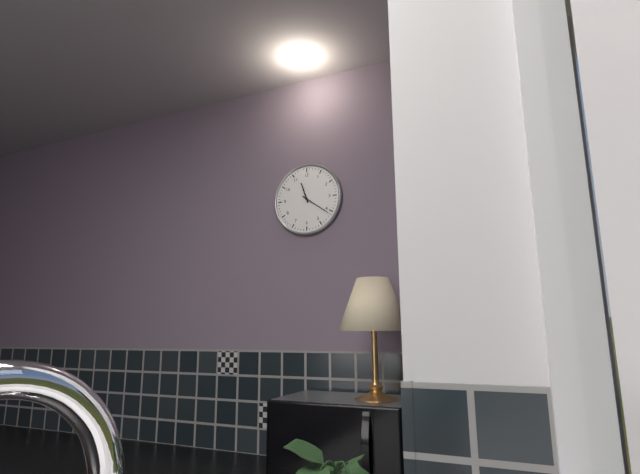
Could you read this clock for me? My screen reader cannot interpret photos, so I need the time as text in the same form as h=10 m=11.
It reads h=11 m=21
